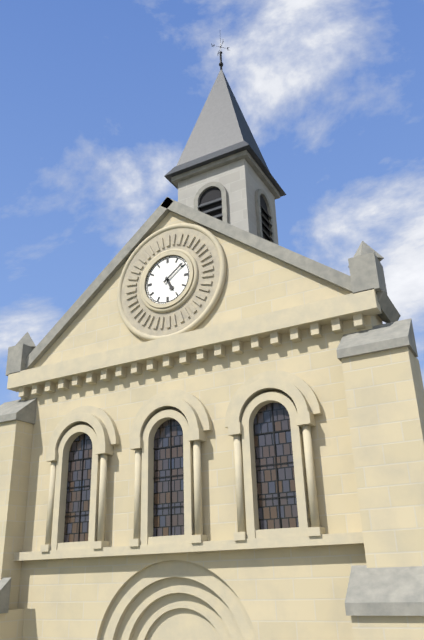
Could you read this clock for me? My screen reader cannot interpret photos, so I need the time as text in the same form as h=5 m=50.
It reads h=5 m=9
